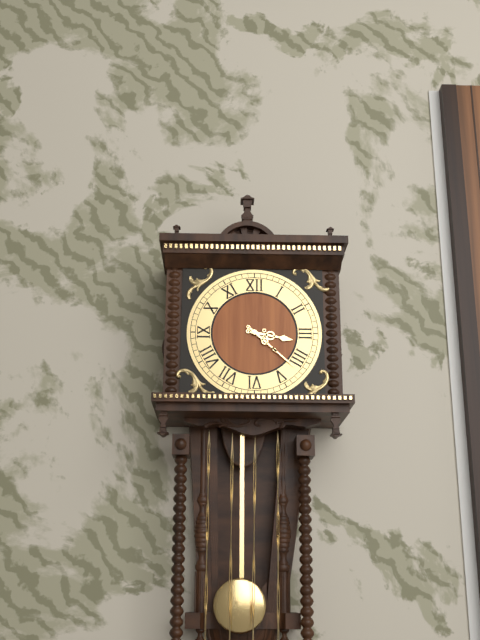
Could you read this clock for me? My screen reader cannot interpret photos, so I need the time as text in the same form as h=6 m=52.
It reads h=3 m=22
